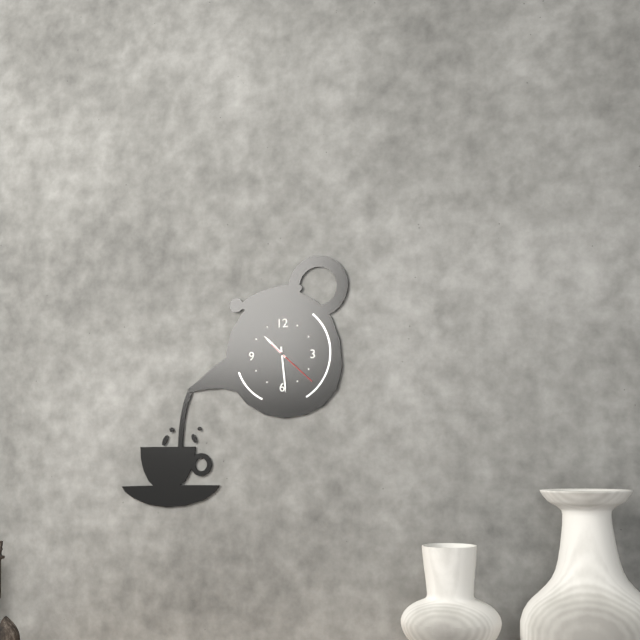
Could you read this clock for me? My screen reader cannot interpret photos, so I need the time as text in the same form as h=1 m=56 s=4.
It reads h=10 m=29 s=22
